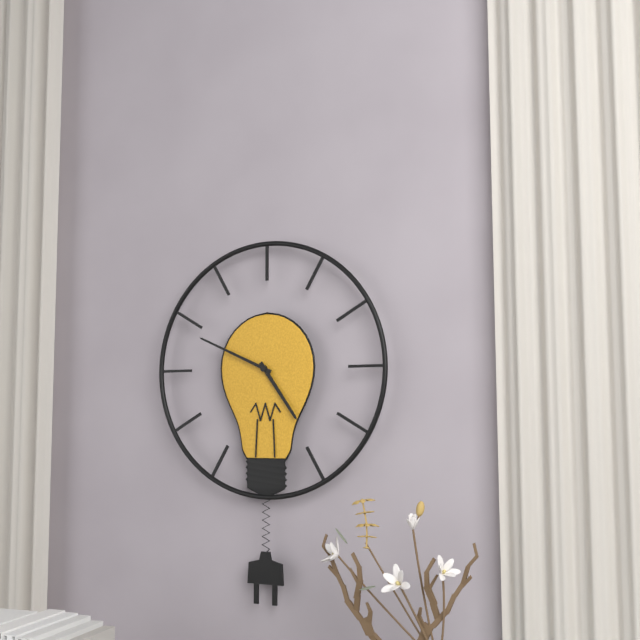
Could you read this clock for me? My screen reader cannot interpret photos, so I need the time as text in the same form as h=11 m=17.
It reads h=4 m=49
